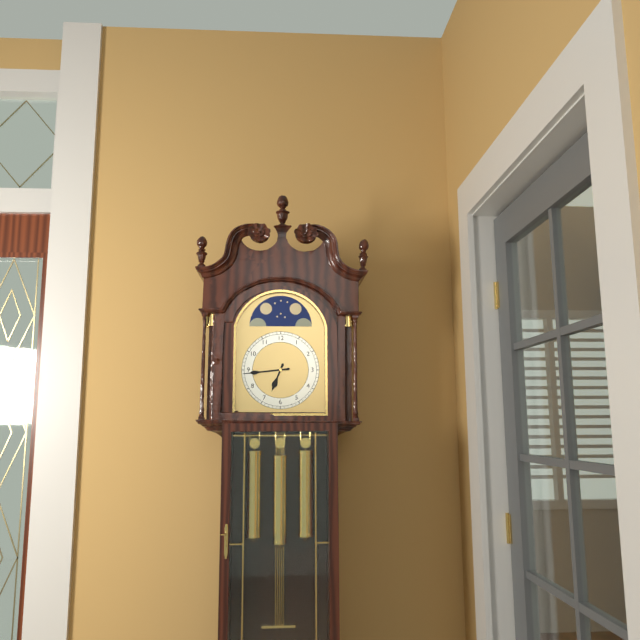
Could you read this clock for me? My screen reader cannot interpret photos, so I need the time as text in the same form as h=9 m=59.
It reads h=6 m=44
